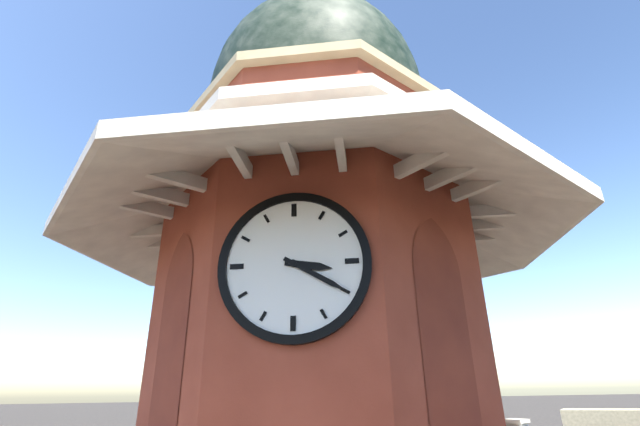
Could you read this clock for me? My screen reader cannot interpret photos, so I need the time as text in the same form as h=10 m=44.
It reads h=3 m=20
